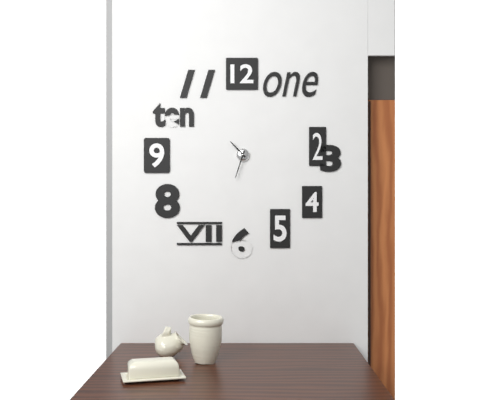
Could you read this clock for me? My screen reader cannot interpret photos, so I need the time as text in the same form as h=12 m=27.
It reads h=10 m=33
